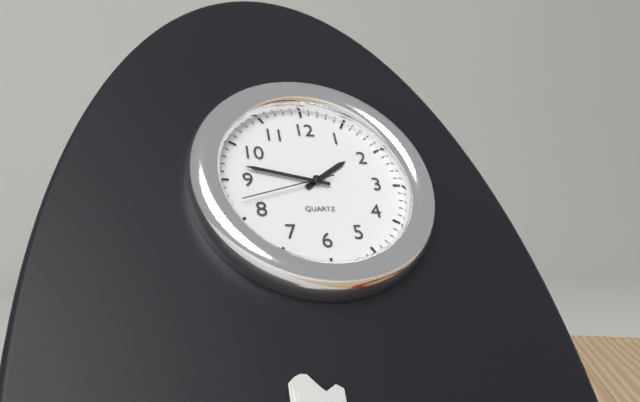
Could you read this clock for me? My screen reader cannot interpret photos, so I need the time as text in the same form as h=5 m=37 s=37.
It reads h=1 m=47 s=42
